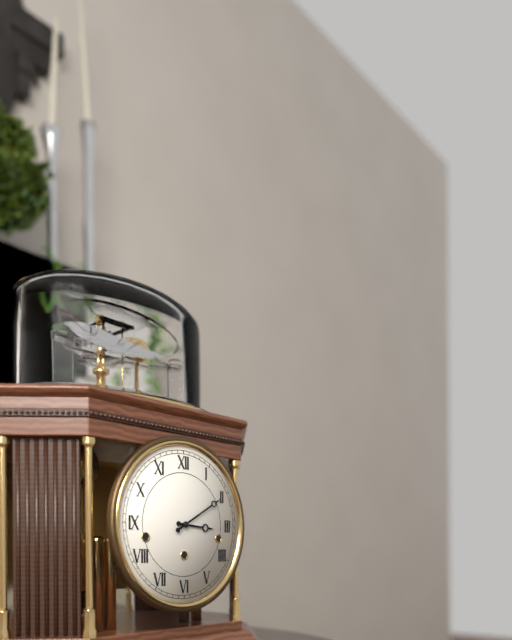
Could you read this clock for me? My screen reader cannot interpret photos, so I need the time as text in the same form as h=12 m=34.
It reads h=3 m=10
